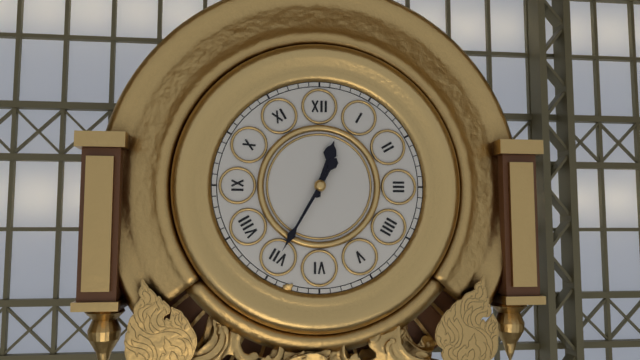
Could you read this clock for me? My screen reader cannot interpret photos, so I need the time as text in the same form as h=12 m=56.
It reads h=12 m=35
